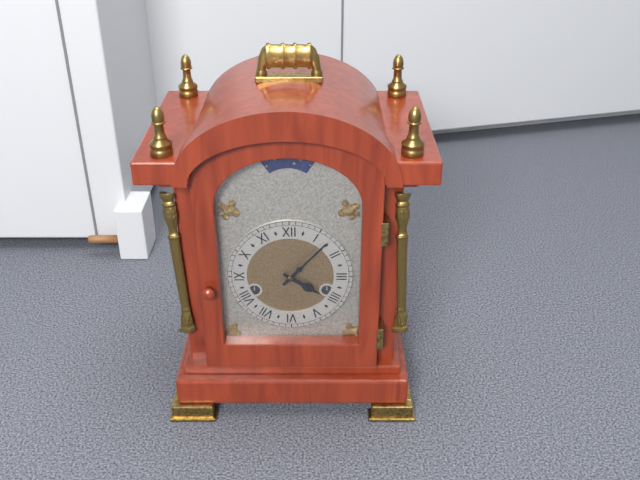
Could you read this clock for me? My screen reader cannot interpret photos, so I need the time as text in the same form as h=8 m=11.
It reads h=4 m=7
